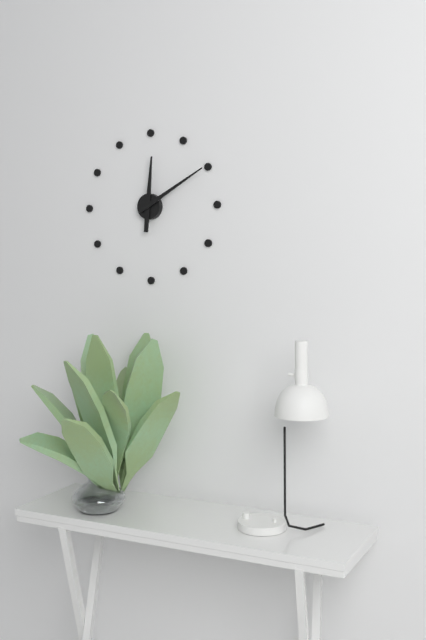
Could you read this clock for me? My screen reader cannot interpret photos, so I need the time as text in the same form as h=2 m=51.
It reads h=12 m=10
